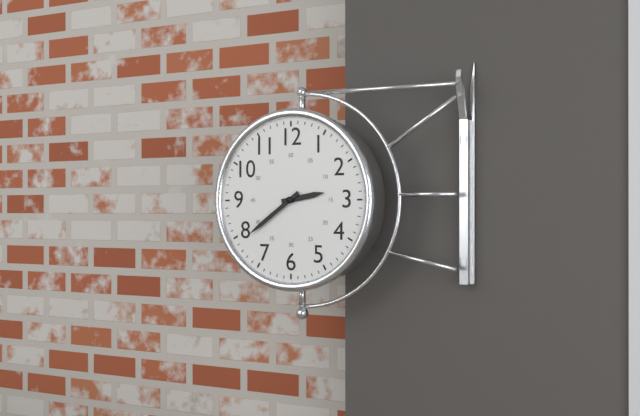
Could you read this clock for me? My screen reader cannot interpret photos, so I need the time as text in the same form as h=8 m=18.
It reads h=2 m=39
